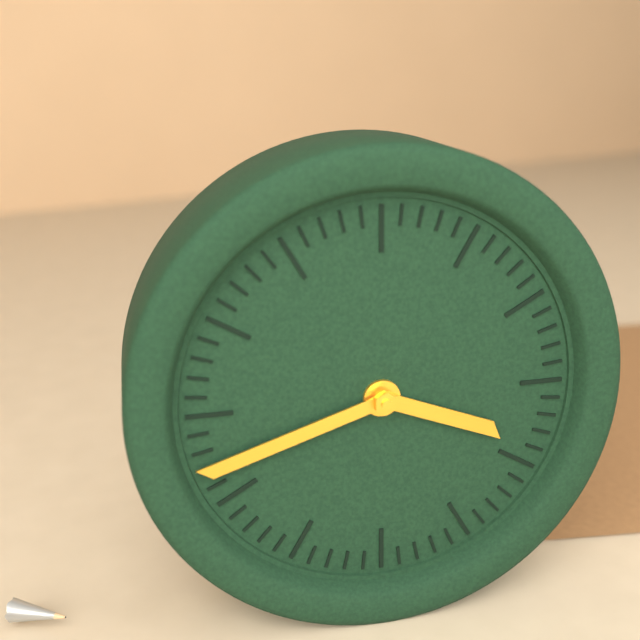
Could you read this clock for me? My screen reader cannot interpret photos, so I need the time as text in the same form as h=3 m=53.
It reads h=3 m=42
